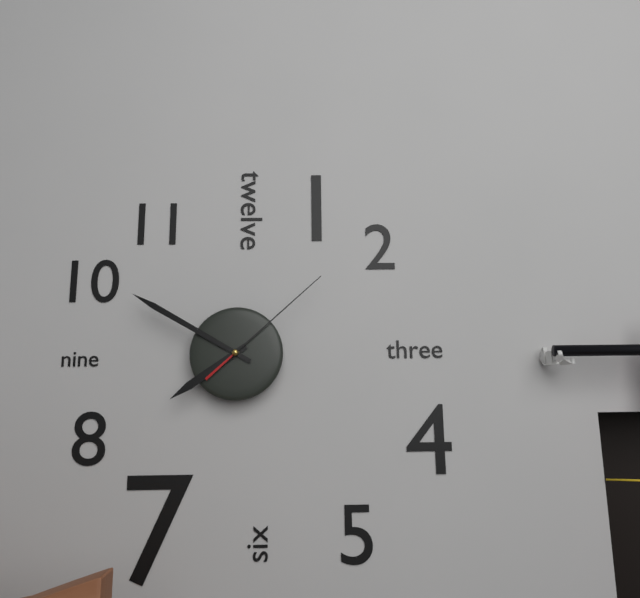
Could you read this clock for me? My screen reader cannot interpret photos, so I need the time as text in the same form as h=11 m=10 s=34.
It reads h=7 m=50 s=8
